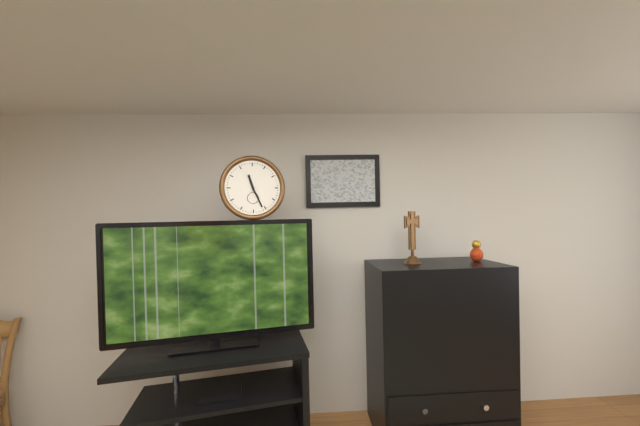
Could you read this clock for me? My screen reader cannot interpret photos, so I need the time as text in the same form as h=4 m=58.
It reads h=11 m=26
